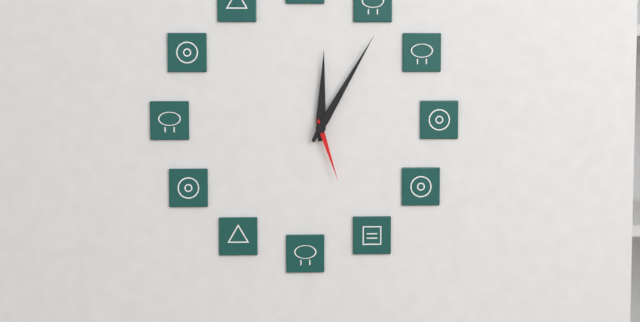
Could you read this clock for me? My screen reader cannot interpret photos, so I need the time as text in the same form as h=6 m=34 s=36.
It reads h=12 m=5 s=27
